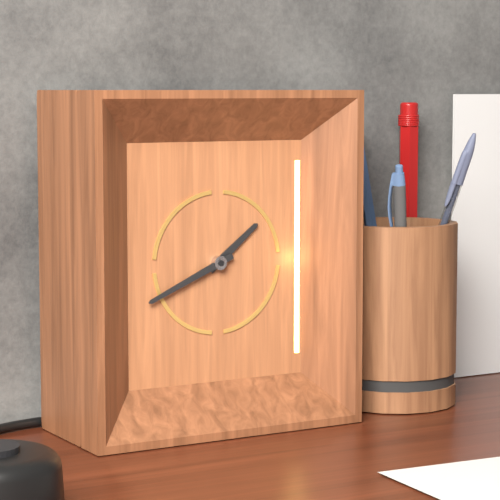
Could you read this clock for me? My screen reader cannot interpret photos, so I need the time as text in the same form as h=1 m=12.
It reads h=1 m=41
